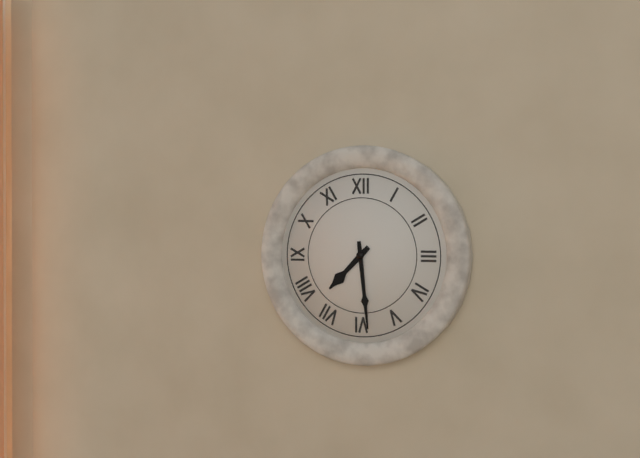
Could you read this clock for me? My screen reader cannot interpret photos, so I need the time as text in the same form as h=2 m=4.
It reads h=7 m=29
